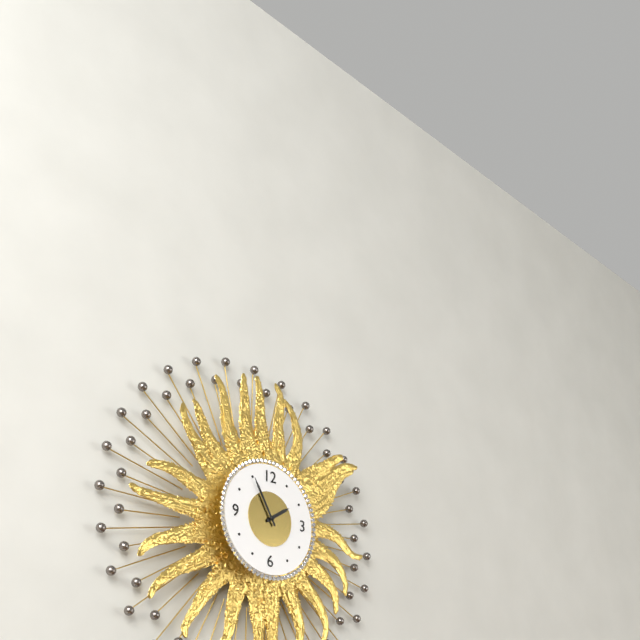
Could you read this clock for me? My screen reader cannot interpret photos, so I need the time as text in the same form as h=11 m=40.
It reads h=1 m=55
